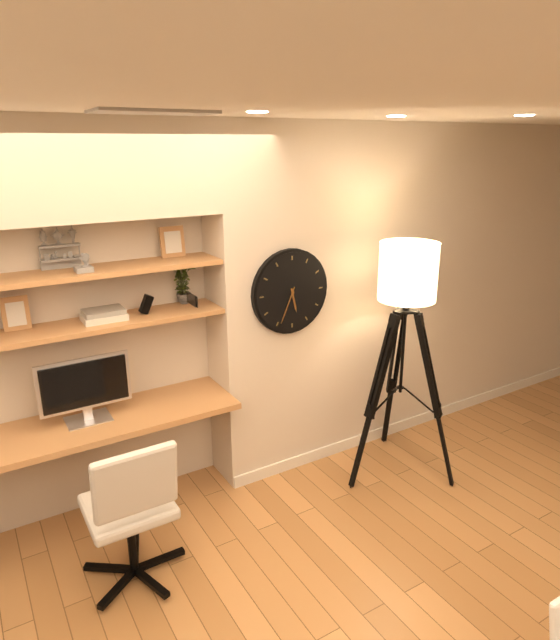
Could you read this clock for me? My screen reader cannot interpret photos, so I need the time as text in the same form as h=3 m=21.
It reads h=5 m=34
